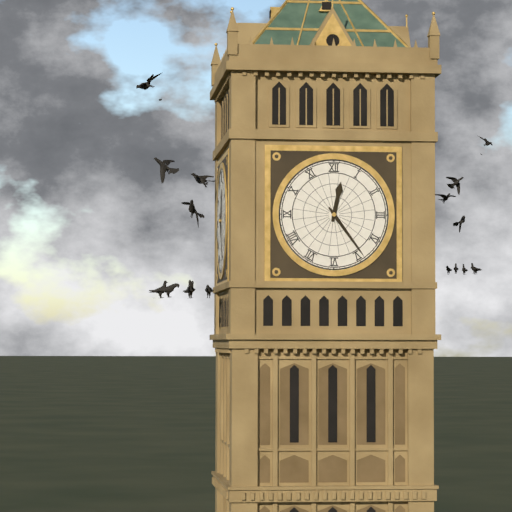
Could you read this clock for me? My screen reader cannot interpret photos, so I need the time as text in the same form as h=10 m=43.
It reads h=12 m=24
